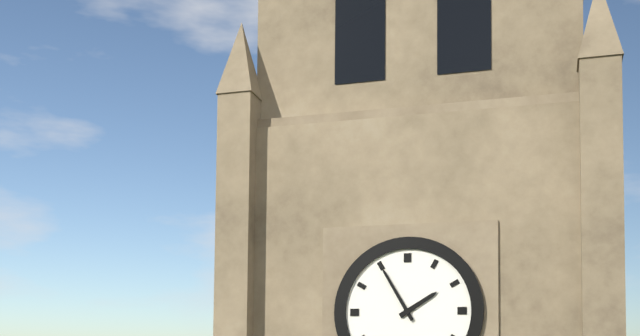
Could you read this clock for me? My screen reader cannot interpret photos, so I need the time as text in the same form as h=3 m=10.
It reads h=1 m=55
